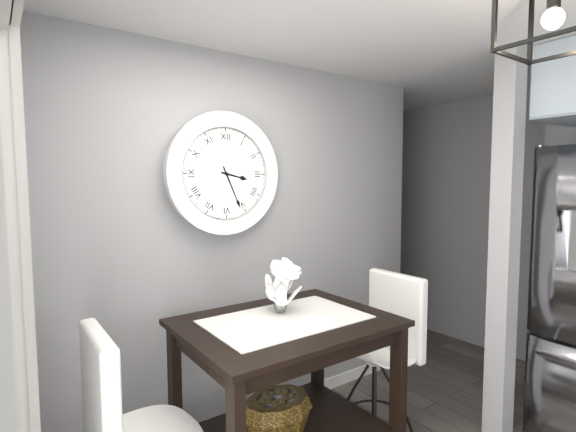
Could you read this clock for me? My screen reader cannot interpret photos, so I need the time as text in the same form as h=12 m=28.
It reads h=3 m=26
